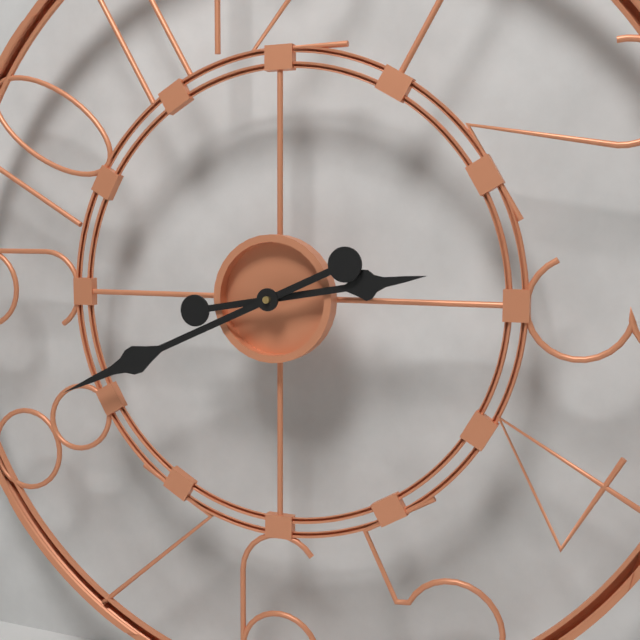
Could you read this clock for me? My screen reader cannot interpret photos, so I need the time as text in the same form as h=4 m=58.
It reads h=2 m=41
